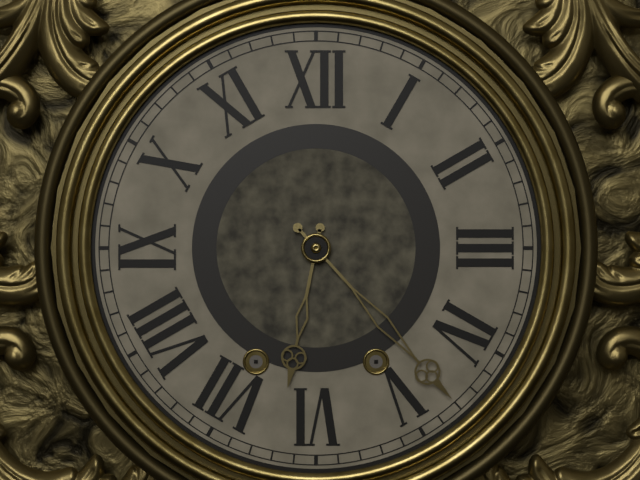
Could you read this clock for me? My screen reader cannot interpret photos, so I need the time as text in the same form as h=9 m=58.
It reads h=6 m=23
